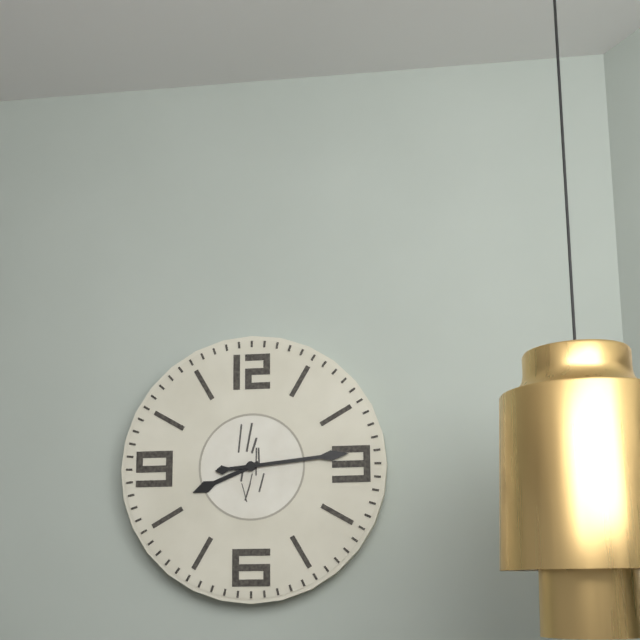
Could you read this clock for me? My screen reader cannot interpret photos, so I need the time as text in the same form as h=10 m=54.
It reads h=8 m=14
